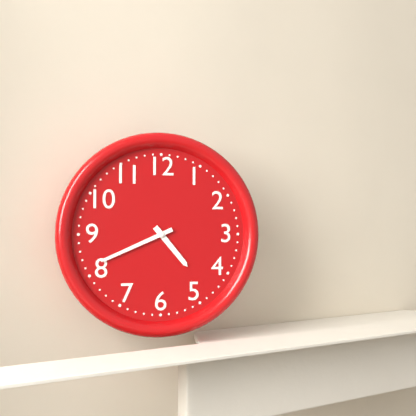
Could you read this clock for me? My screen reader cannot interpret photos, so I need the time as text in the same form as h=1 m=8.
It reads h=4 m=41
